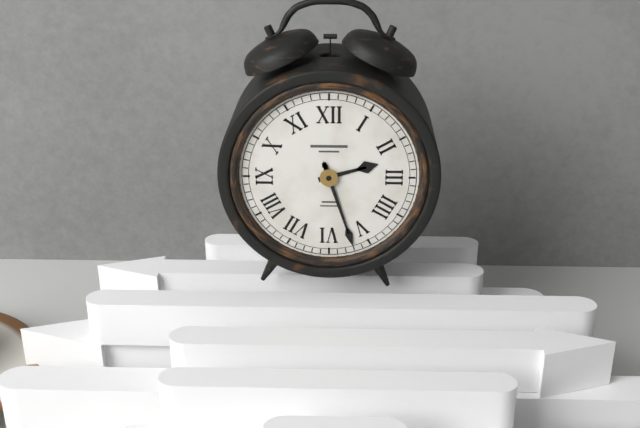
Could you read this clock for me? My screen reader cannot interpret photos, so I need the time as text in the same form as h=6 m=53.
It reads h=2 m=27
